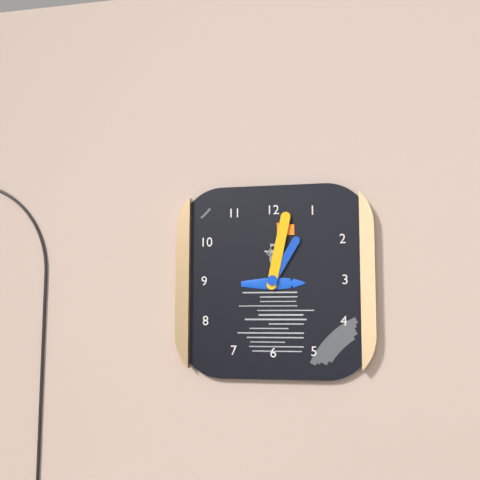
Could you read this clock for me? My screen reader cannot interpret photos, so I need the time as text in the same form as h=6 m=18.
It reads h=1 m=2
